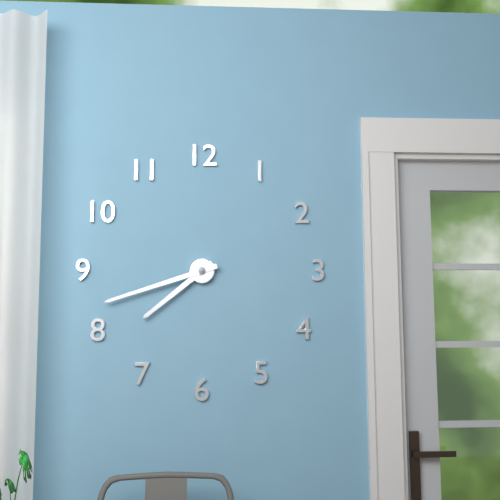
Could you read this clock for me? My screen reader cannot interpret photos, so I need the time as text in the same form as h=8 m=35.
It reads h=7 m=42
